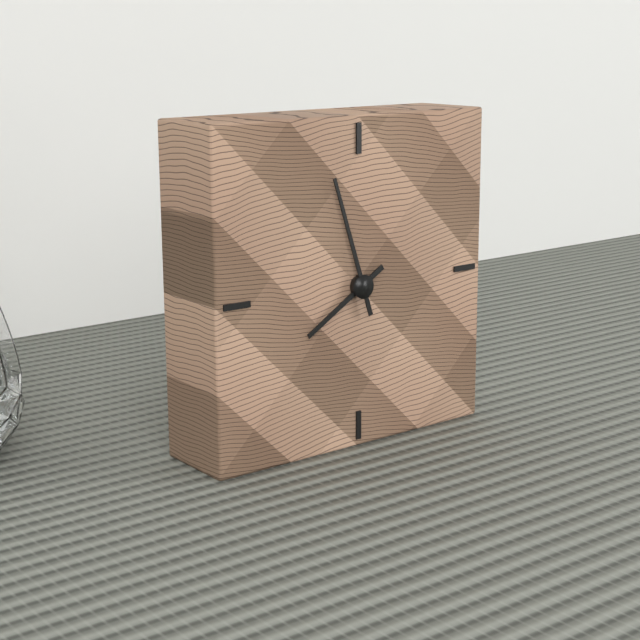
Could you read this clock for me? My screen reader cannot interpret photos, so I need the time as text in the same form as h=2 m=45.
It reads h=7 m=57
